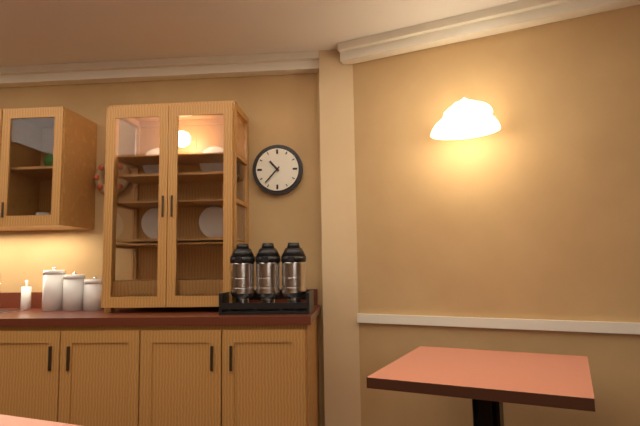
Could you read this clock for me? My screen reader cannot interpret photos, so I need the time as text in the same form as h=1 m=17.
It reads h=10 m=37
